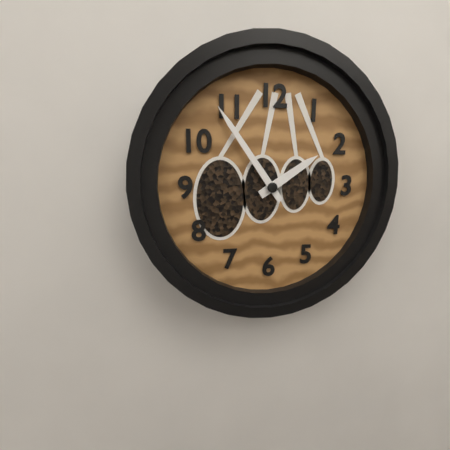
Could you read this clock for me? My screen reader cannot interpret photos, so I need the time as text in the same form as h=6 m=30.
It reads h=1 m=54
